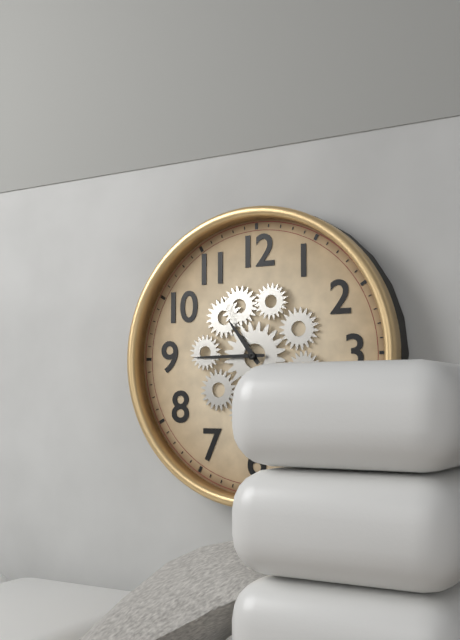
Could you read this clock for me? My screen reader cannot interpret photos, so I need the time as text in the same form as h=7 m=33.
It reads h=10 m=45
